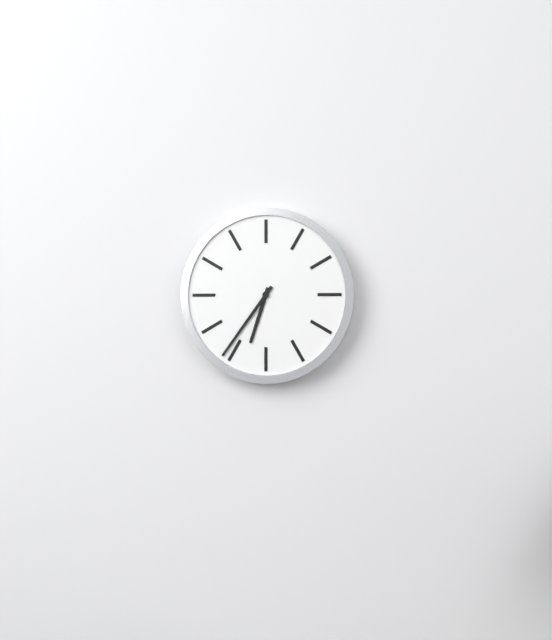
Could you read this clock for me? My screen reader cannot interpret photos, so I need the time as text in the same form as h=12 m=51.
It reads h=6 m=36
